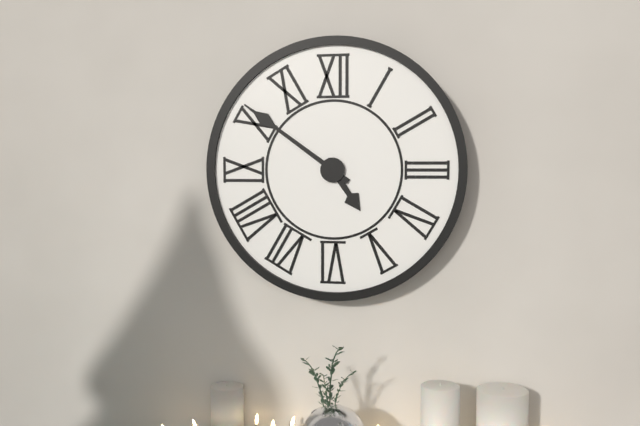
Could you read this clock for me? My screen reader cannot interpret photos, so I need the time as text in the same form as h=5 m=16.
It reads h=4 m=51
